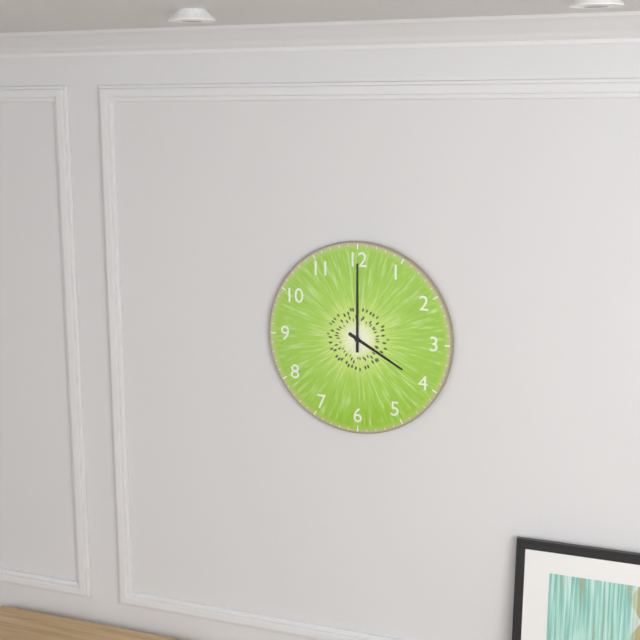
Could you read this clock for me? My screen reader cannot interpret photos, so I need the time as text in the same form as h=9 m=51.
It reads h=4 m=0
